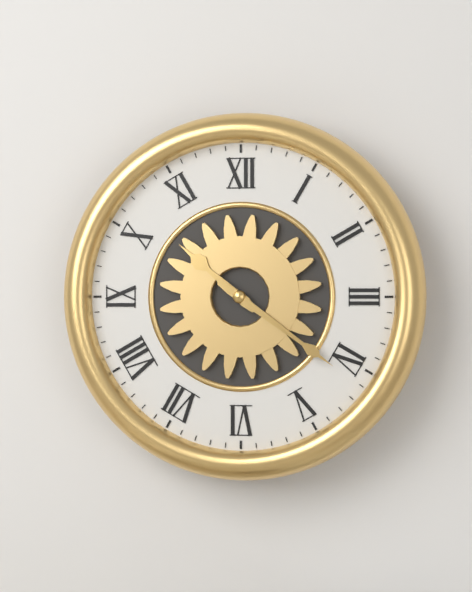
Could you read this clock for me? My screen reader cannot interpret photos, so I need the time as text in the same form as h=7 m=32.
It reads h=10 m=21
